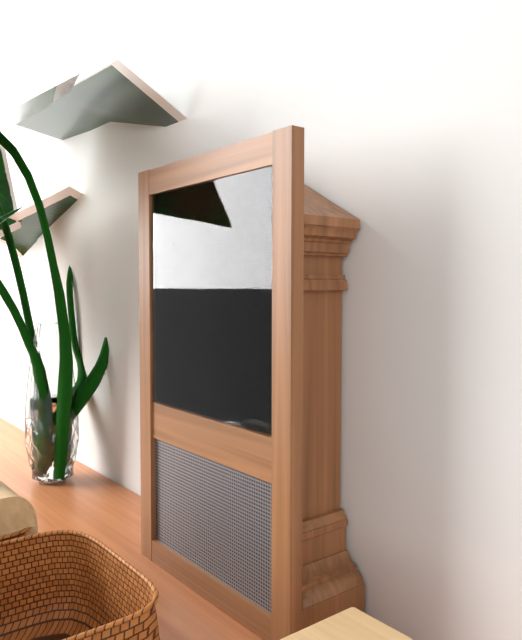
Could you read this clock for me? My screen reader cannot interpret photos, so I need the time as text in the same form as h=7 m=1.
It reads h=4 m=35
